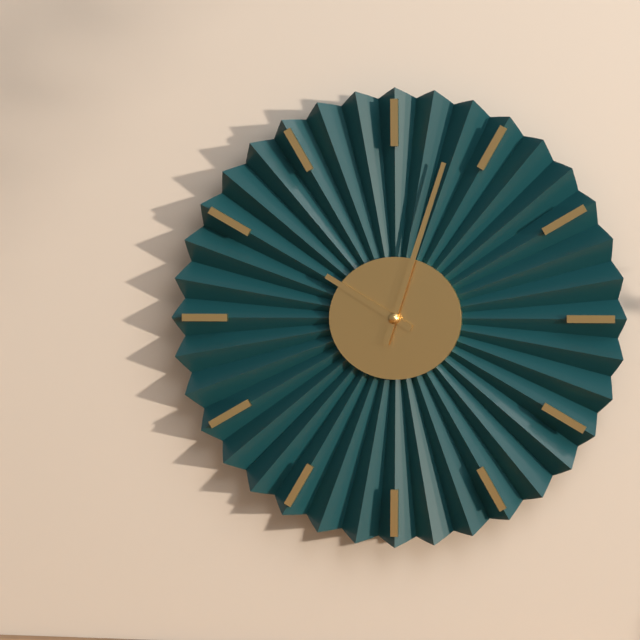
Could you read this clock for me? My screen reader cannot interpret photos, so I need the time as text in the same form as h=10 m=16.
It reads h=10 m=3
